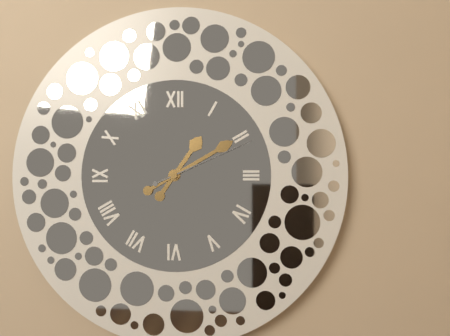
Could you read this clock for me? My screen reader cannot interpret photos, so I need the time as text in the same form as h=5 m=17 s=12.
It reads h=1 m=10 s=11
